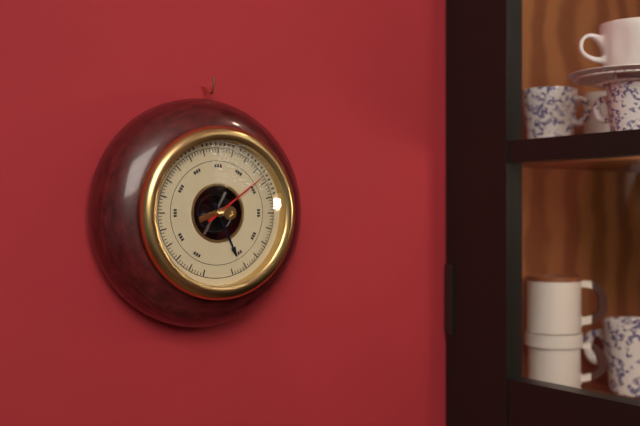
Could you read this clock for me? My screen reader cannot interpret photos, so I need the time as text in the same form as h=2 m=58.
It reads h=5 m=9
